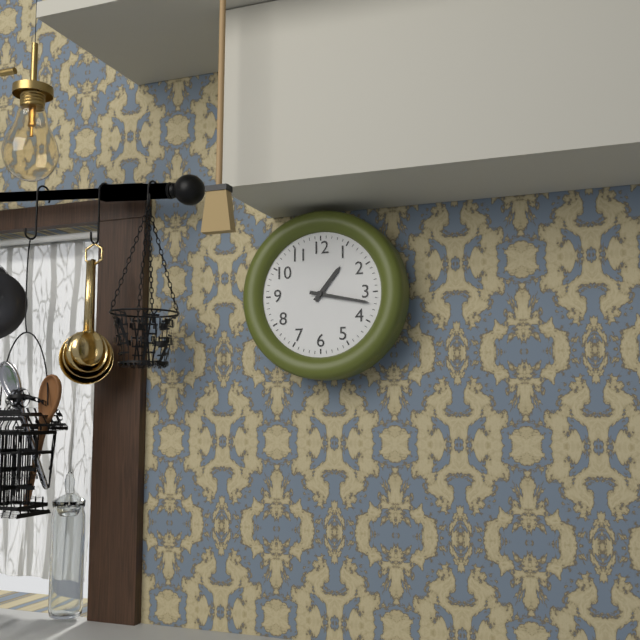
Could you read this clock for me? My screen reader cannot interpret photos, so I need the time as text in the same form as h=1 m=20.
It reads h=1 m=17
